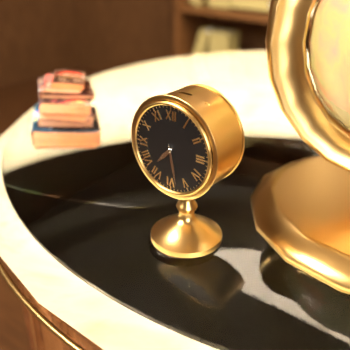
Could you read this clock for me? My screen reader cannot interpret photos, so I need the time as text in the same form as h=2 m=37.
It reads h=7 m=28
